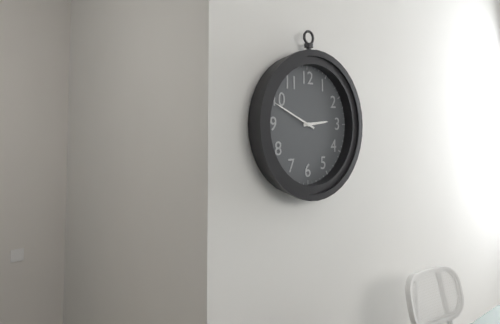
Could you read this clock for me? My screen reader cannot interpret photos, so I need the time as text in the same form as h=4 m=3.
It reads h=2 m=49
